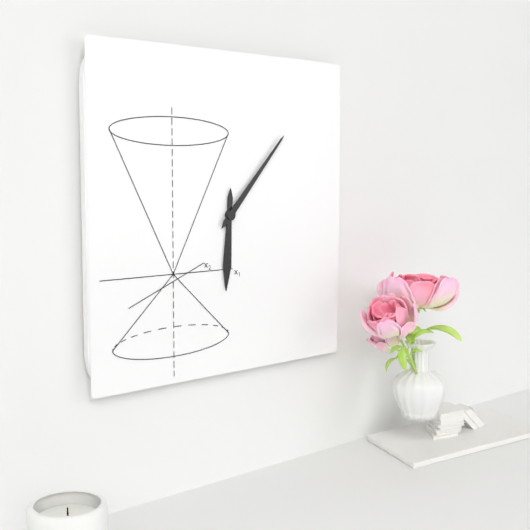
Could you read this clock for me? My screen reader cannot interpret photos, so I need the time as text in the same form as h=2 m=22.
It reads h=6 m=7
